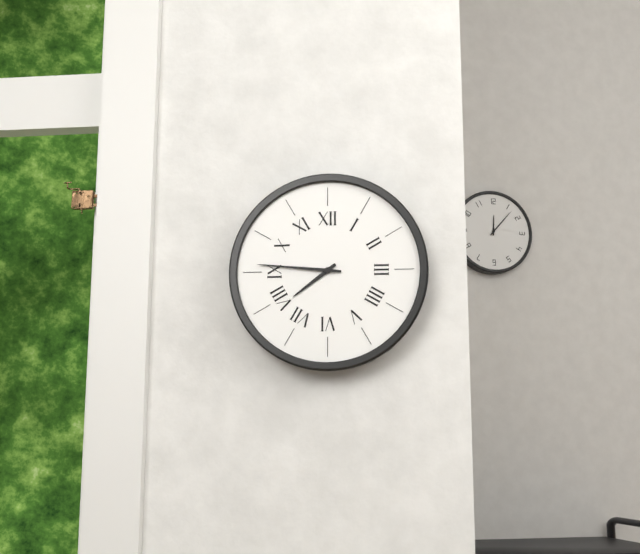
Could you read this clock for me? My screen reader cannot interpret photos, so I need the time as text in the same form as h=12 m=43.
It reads h=7 m=46
